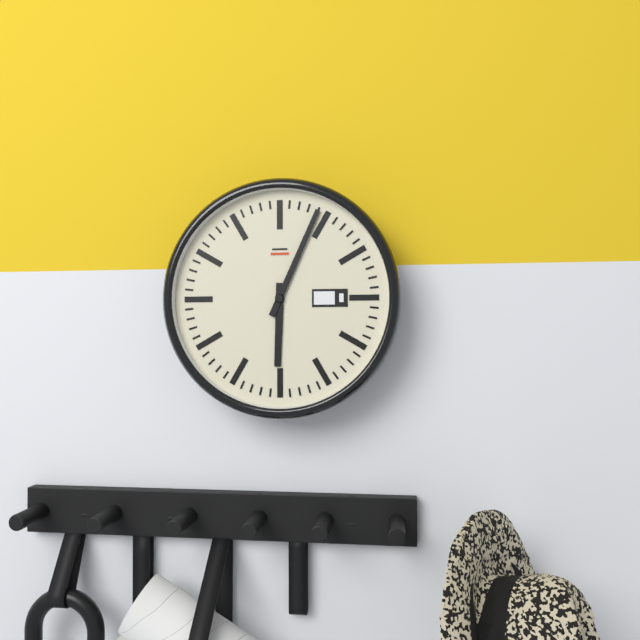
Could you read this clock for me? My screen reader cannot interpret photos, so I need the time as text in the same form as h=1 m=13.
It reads h=6 m=4
